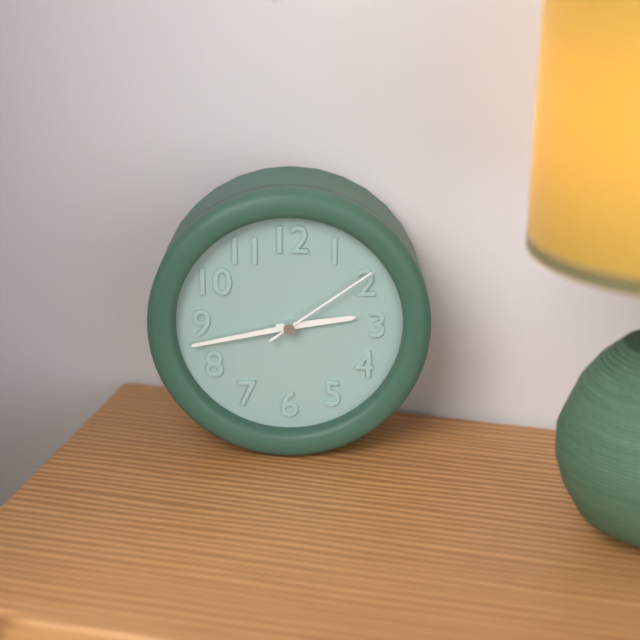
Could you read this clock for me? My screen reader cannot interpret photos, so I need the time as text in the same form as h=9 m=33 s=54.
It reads h=2 m=43 s=9
